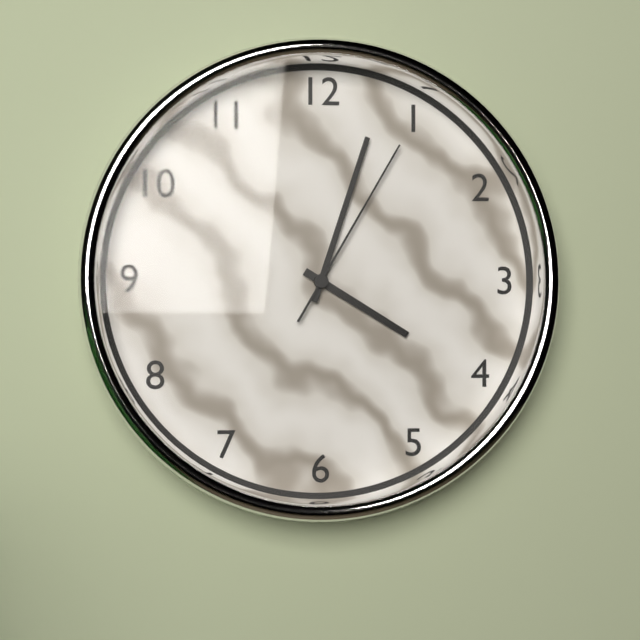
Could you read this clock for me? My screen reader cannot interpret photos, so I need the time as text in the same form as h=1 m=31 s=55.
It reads h=4 m=3 s=5
